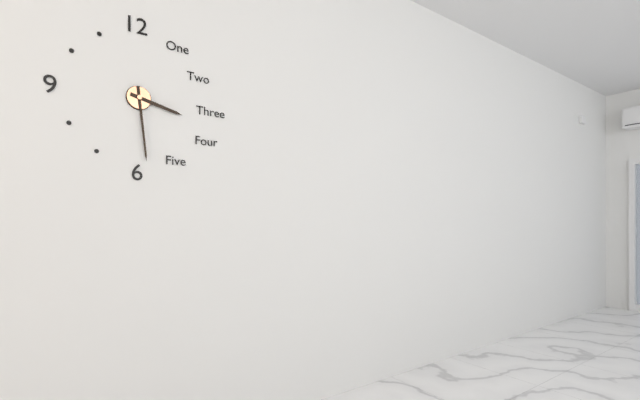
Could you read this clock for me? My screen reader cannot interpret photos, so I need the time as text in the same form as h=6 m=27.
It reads h=3 m=29
